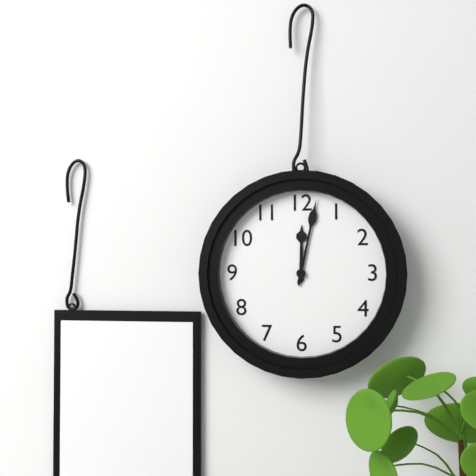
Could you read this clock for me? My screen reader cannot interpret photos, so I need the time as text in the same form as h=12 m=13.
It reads h=12 m=2
